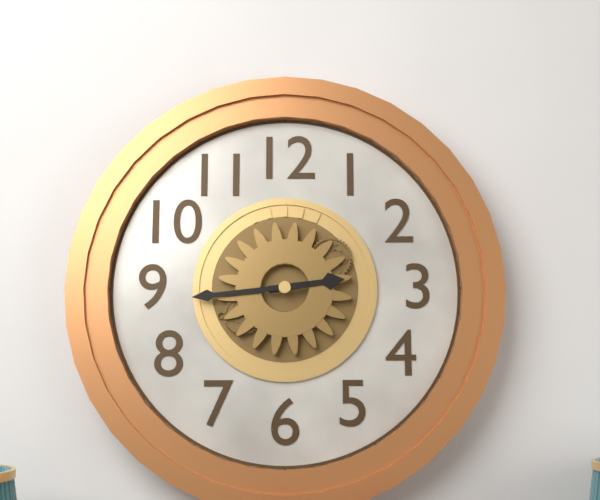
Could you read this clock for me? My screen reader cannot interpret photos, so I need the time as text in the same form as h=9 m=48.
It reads h=2 m=44
